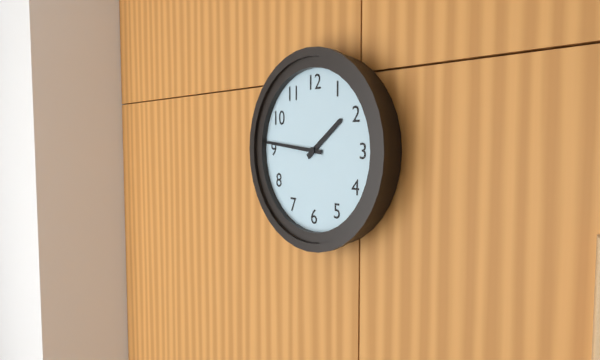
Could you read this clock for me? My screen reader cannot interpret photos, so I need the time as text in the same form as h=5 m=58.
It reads h=1 m=46
